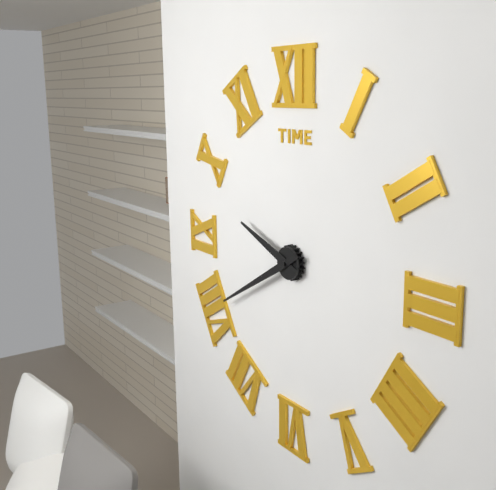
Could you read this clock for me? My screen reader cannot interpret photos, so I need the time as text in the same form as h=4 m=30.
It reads h=9 m=40
